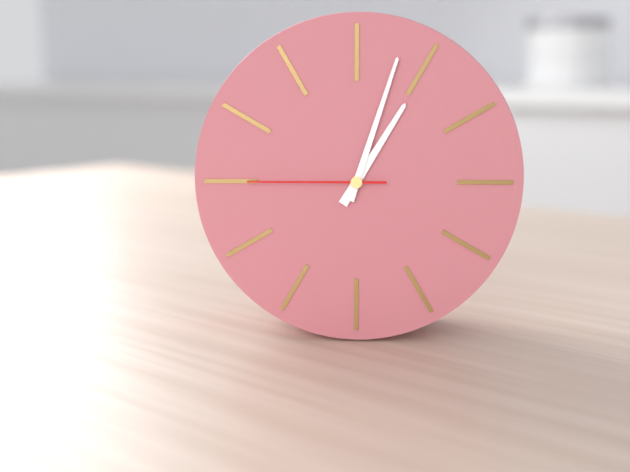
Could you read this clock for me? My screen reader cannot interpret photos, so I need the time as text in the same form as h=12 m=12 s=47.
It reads h=1 m=3 s=45
